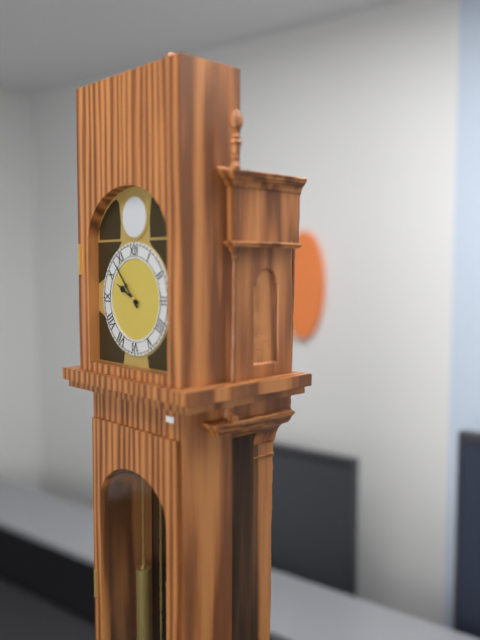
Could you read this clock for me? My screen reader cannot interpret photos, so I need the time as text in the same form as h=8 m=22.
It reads h=9 m=53
